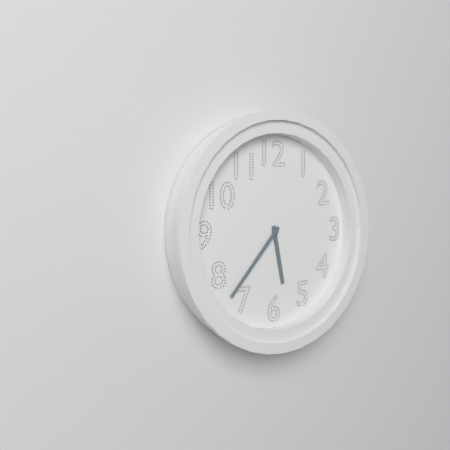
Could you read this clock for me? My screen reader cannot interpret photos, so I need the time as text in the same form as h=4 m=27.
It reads h=5 m=37
